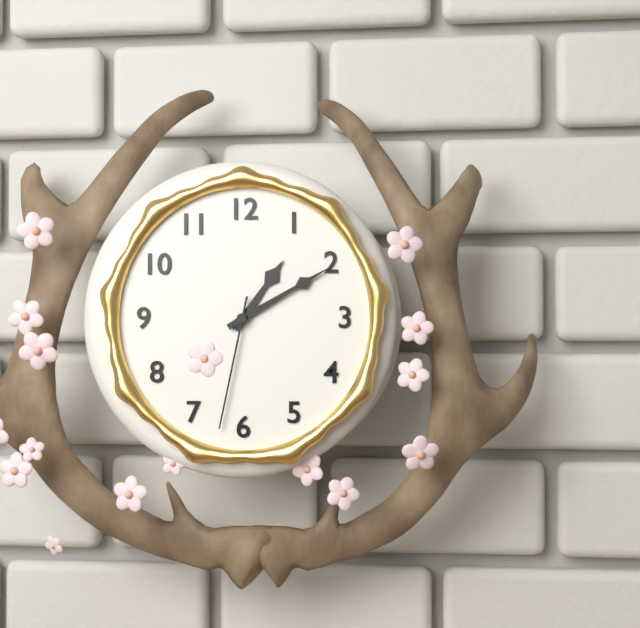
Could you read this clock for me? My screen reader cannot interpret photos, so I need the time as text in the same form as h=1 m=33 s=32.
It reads h=1 m=10 s=32
